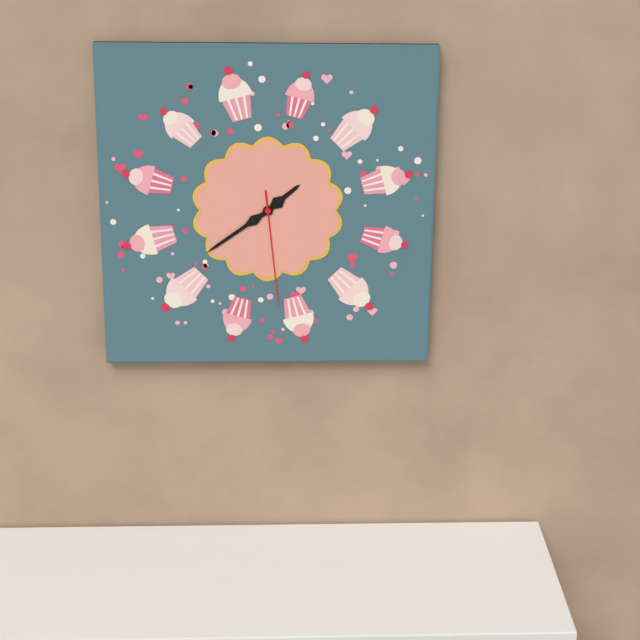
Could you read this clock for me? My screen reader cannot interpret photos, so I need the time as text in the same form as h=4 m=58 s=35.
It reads h=1 m=39 s=29
